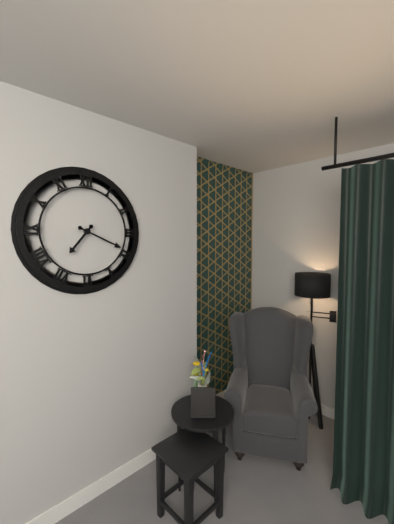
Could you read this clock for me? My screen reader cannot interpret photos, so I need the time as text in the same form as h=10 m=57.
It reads h=7 m=19
